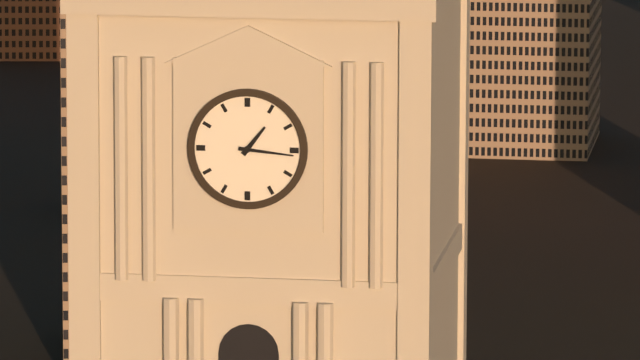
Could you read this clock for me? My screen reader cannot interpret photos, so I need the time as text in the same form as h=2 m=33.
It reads h=1 m=16
